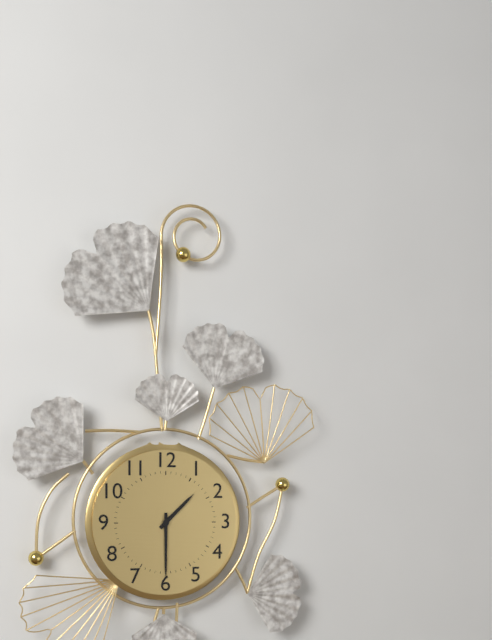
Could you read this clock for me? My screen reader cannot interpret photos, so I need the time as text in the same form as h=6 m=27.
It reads h=1 m=30
